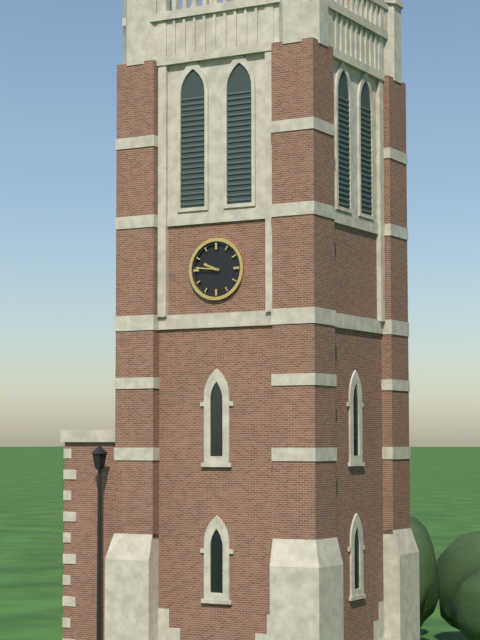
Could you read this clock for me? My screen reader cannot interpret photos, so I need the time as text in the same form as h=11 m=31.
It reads h=9 m=46
